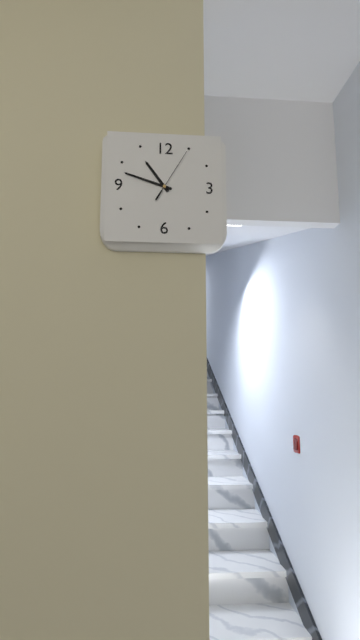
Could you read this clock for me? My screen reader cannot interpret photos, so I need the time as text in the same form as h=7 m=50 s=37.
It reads h=10 m=48 s=5
